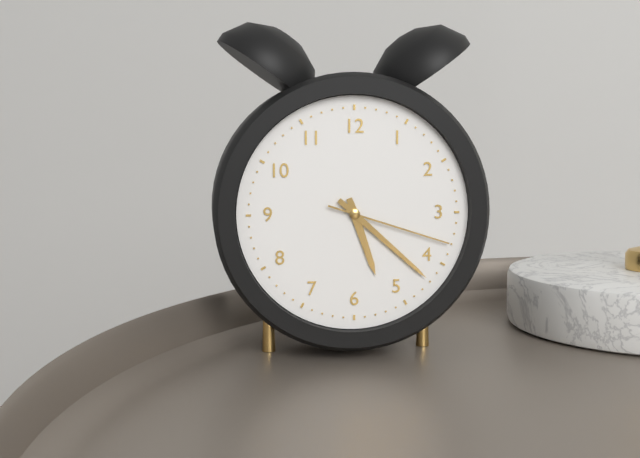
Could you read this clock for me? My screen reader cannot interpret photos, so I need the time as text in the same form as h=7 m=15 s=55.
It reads h=5 m=22 s=18
